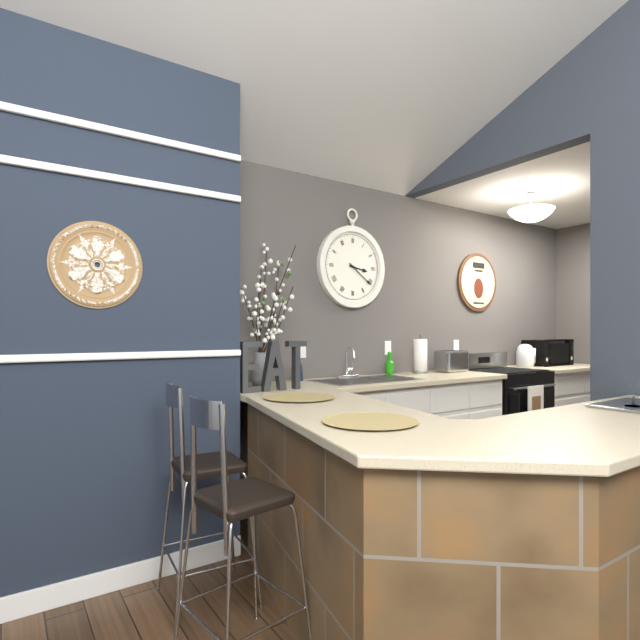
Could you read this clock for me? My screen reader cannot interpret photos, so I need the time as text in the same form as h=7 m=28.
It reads h=3 m=21
